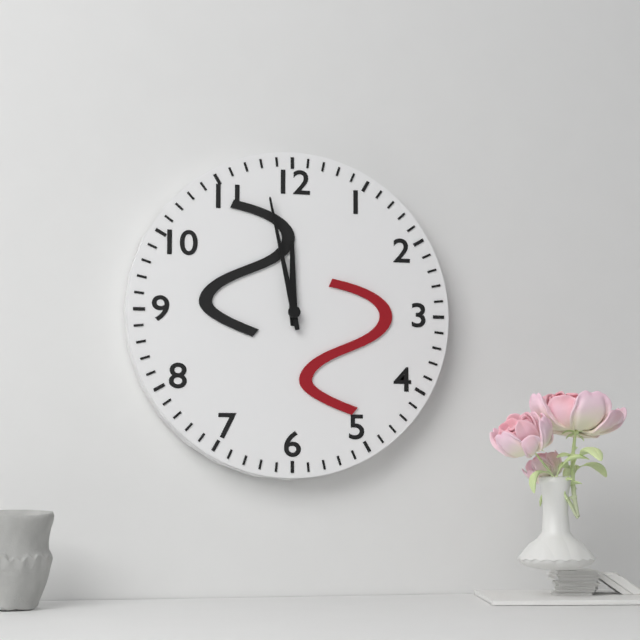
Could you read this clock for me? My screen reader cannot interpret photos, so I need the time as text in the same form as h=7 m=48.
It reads h=11 m=58
